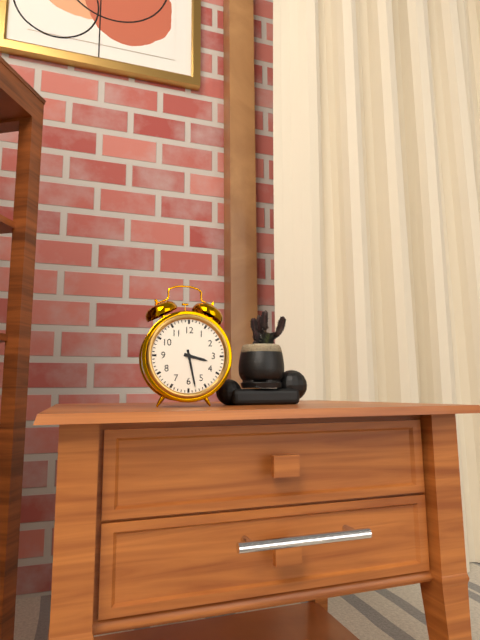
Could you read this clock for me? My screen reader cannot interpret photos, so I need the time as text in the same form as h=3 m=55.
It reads h=3 m=28
